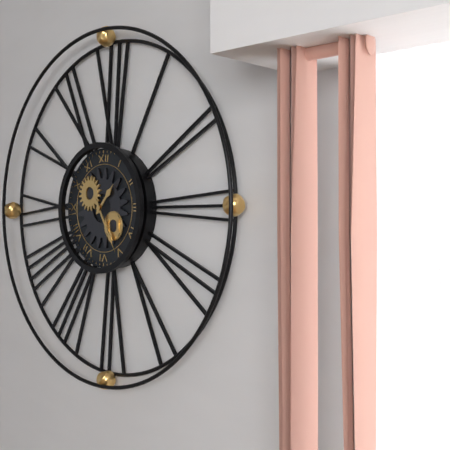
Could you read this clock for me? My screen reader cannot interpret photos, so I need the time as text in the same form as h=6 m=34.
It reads h=1 m=25
